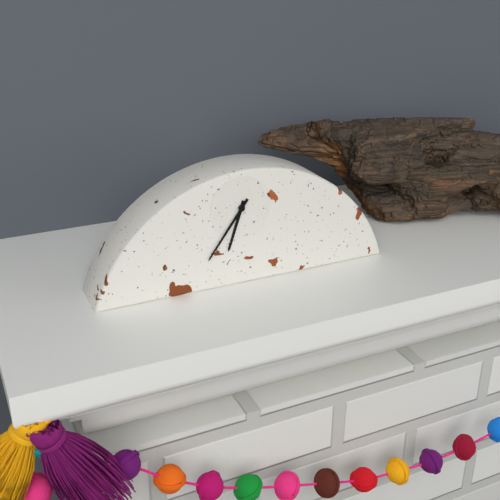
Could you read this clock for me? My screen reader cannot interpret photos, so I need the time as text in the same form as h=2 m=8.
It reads h=6 m=36
